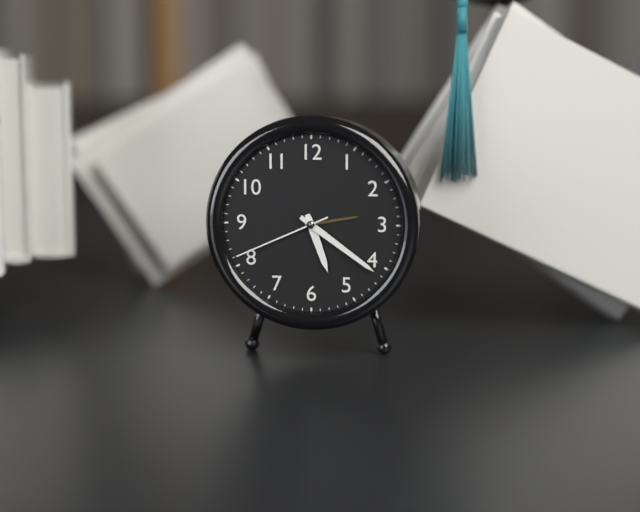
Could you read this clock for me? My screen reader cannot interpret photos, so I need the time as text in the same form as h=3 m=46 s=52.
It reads h=5 m=21 s=41
